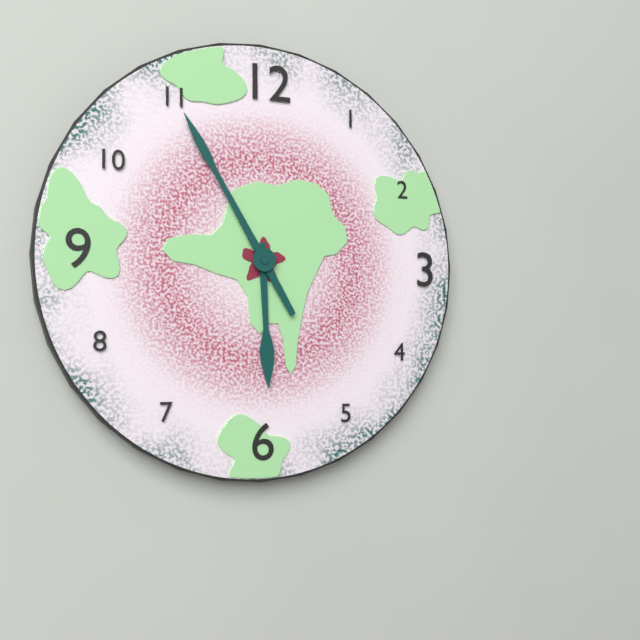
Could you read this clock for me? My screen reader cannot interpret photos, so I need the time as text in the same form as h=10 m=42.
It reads h=5 m=55
